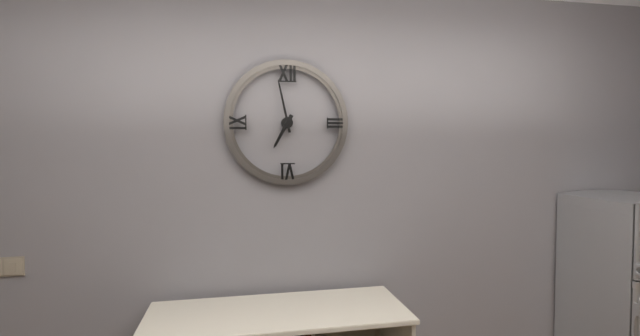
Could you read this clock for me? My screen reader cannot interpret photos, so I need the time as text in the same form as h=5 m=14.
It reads h=6 m=58
